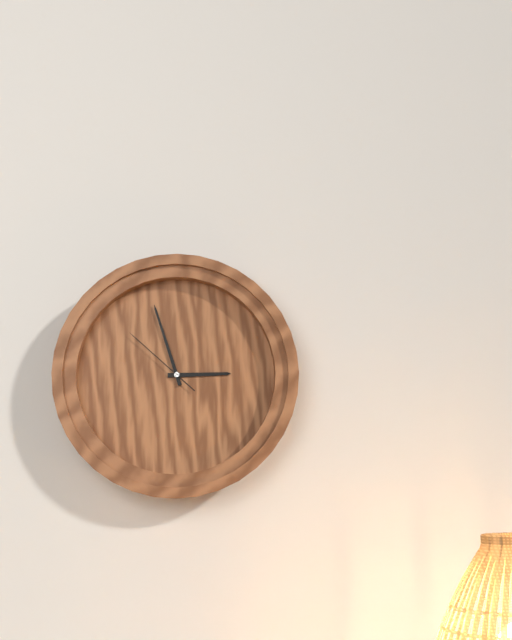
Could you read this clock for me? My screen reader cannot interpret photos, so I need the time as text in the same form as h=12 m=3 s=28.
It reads h=2 m=57 s=52
